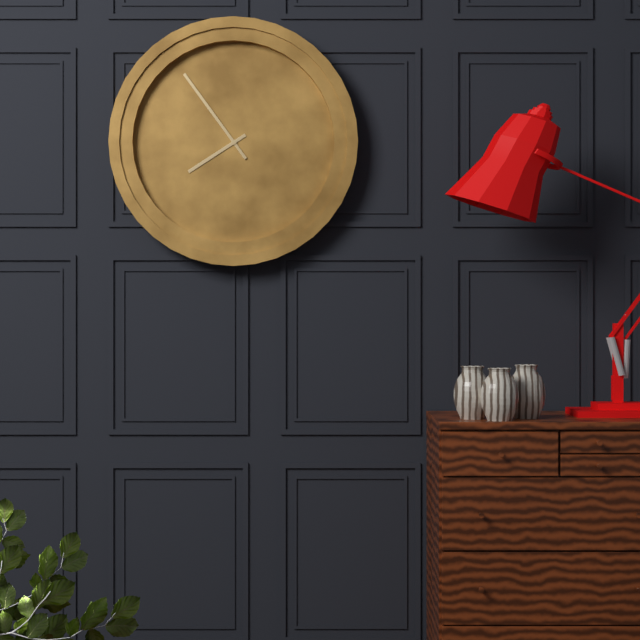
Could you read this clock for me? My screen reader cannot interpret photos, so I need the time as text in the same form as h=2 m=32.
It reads h=7 m=54
